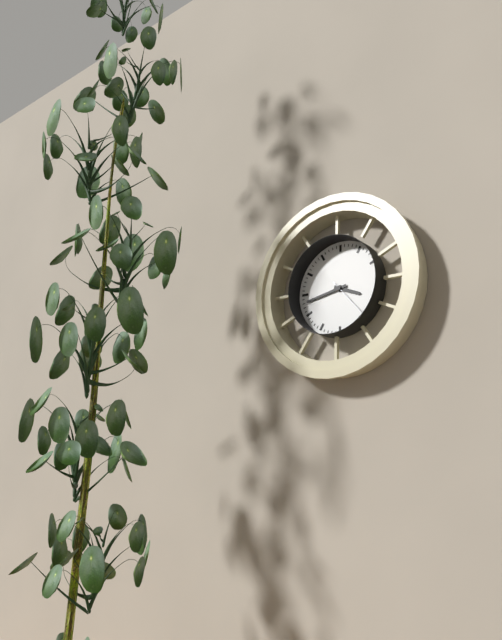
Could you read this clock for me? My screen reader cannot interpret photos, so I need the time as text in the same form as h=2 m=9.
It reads h=3 m=43
